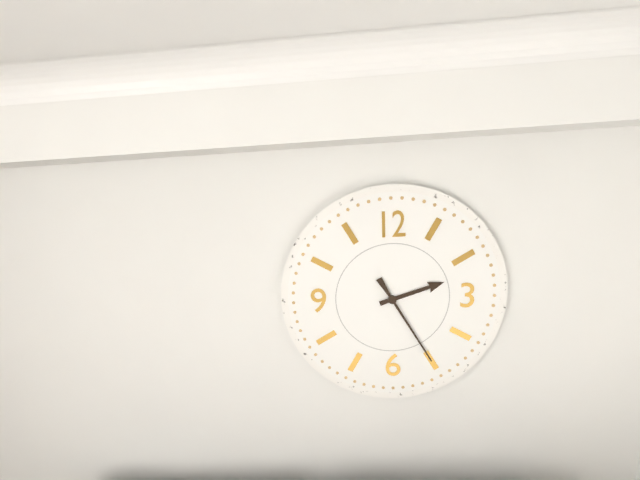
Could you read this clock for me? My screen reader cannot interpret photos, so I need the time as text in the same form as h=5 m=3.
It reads h=2 m=25
